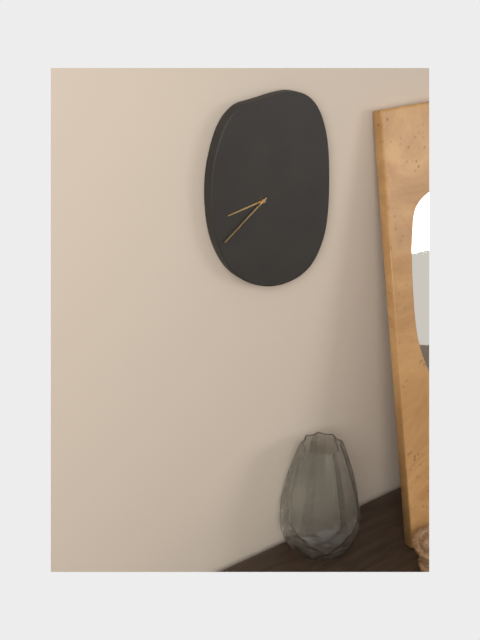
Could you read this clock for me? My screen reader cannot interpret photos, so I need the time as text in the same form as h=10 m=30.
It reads h=8 m=39
